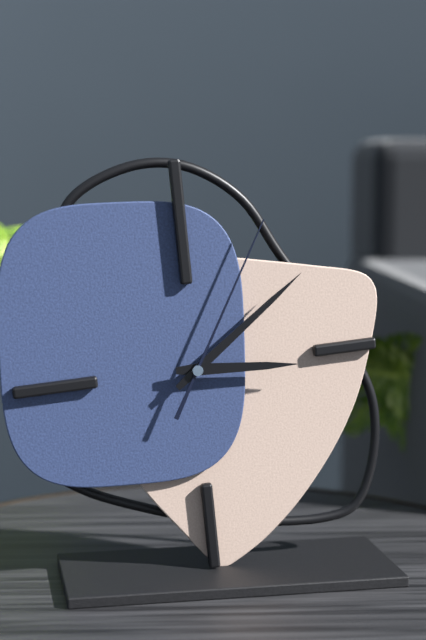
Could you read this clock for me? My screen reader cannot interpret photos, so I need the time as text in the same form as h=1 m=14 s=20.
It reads h=3 m=9 s=5
